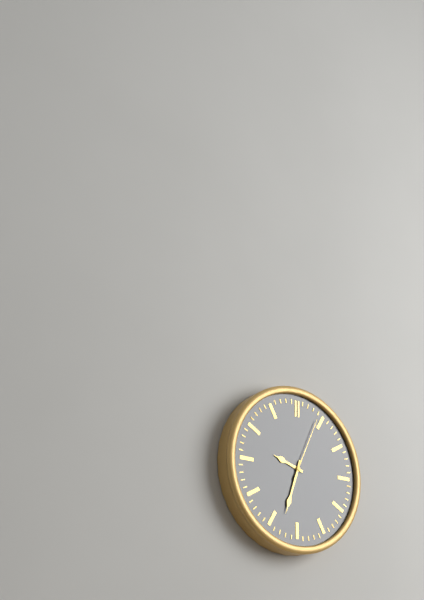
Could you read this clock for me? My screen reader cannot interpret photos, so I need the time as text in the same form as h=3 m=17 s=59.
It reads h=9 m=33 s=4
